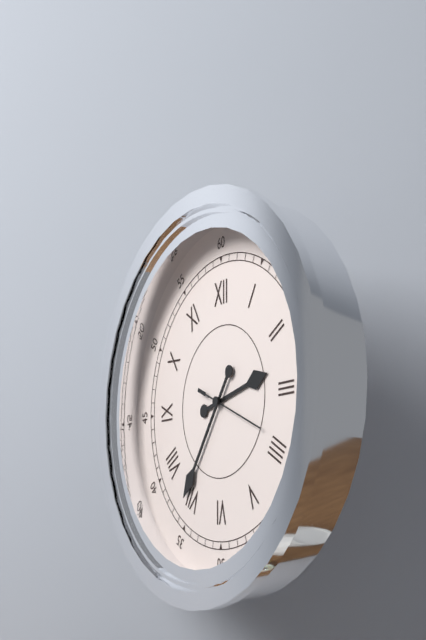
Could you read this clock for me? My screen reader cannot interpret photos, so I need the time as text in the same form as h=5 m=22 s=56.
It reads h=2 m=36 s=19
